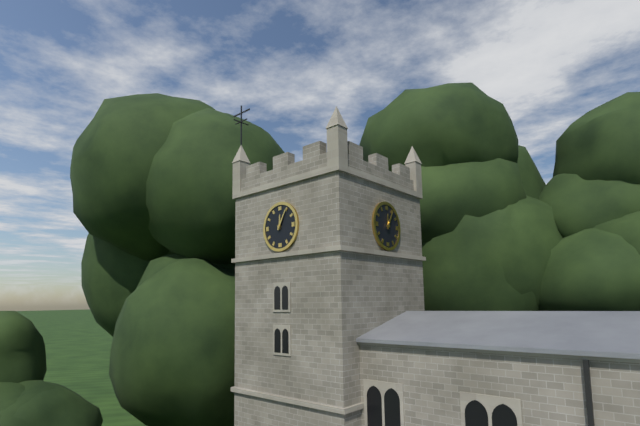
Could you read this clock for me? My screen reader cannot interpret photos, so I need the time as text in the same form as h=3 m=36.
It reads h=12 m=5
